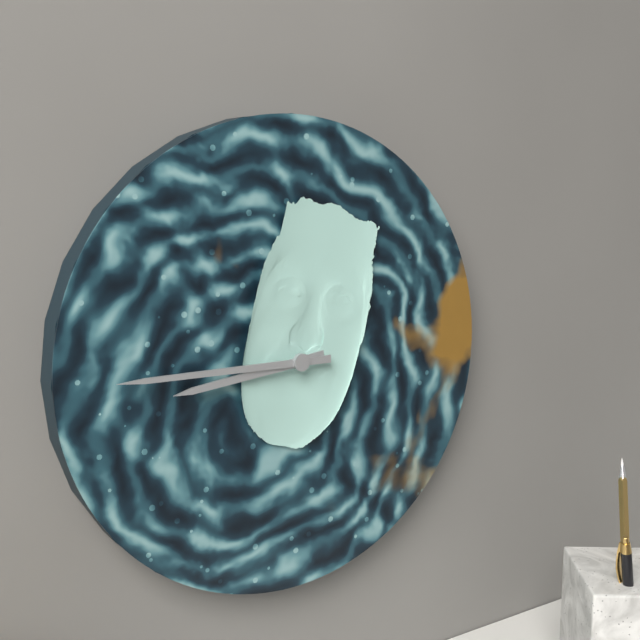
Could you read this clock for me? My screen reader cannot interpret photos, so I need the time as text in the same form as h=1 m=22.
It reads h=8 m=45
